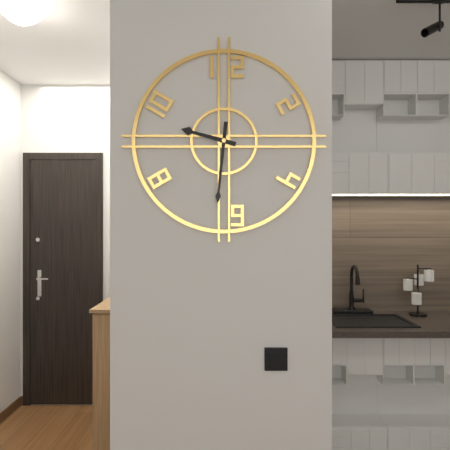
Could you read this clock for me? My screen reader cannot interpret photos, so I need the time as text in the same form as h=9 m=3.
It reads h=9 m=31
